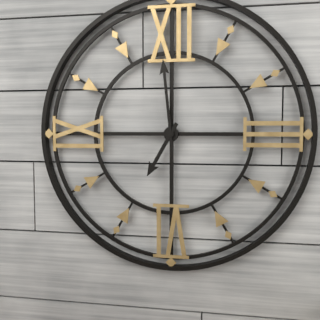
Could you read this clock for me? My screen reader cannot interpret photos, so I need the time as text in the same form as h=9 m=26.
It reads h=6 m=59
